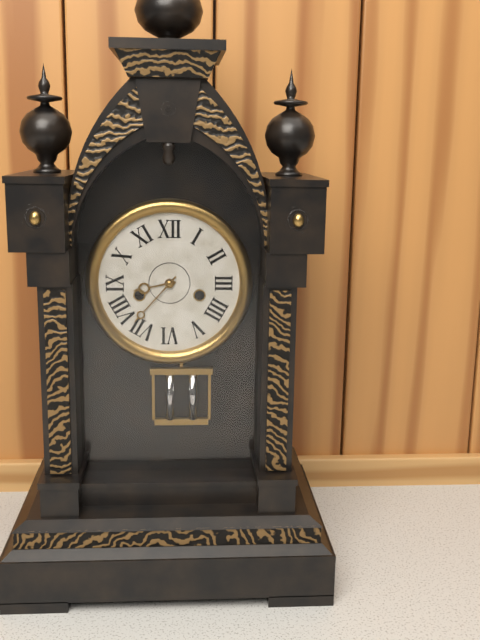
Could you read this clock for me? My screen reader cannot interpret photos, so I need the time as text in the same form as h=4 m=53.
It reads h=8 m=37
